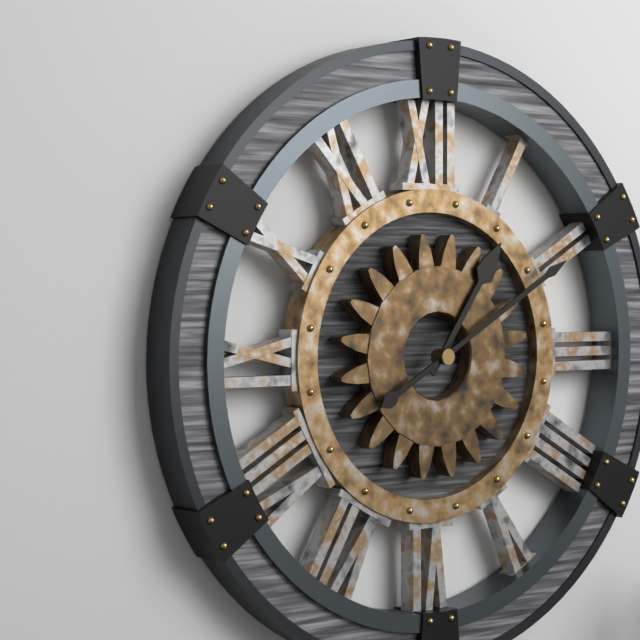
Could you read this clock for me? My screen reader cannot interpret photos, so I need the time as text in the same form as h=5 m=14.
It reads h=1 m=10
